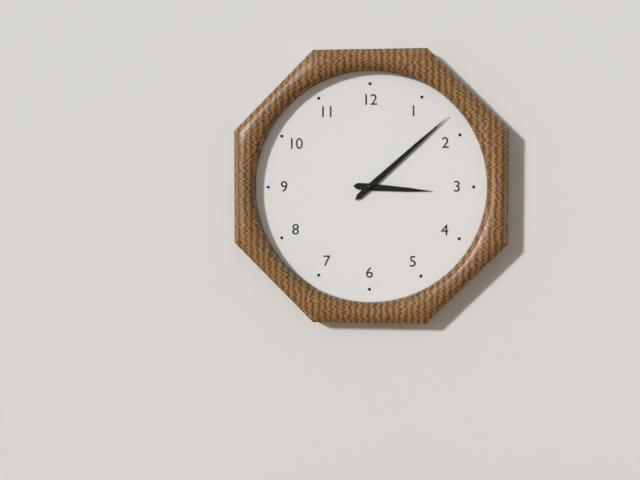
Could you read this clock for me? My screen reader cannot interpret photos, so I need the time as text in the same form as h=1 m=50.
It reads h=3 m=8
